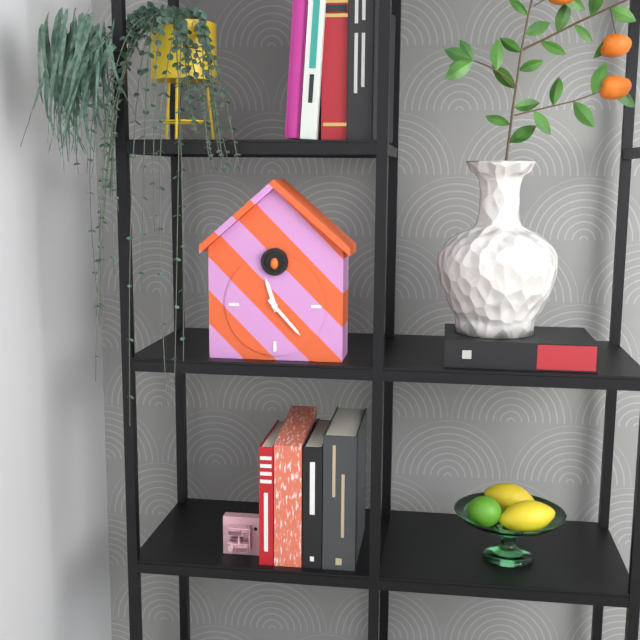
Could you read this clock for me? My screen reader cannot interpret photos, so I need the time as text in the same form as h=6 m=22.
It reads h=11 m=23
